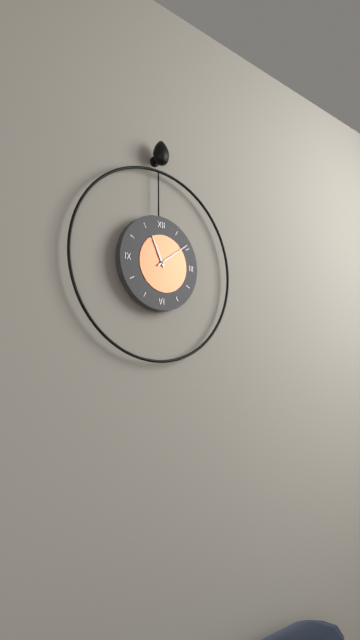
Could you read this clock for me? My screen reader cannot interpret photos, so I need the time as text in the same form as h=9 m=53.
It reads h=11 m=9
